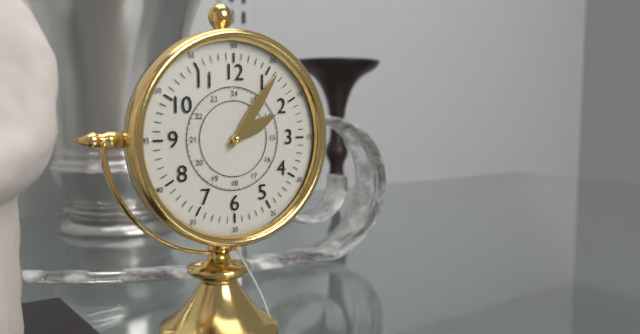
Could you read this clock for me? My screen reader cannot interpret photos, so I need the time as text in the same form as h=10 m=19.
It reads h=2 m=6
